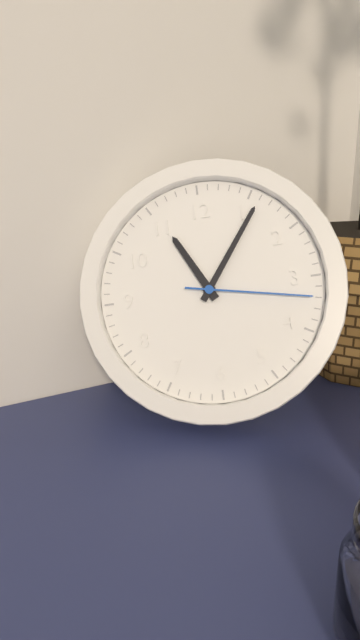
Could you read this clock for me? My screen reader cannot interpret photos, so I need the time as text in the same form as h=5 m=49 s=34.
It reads h=11 m=6 s=17
